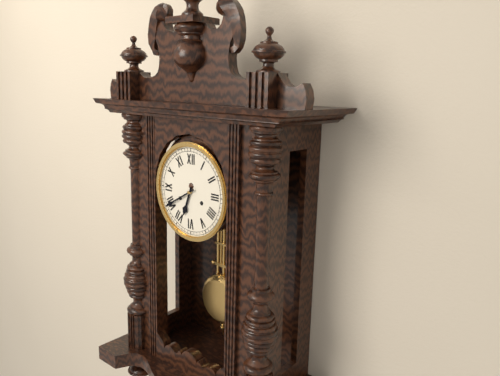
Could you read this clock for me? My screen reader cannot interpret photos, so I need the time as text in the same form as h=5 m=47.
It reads h=6 m=40
